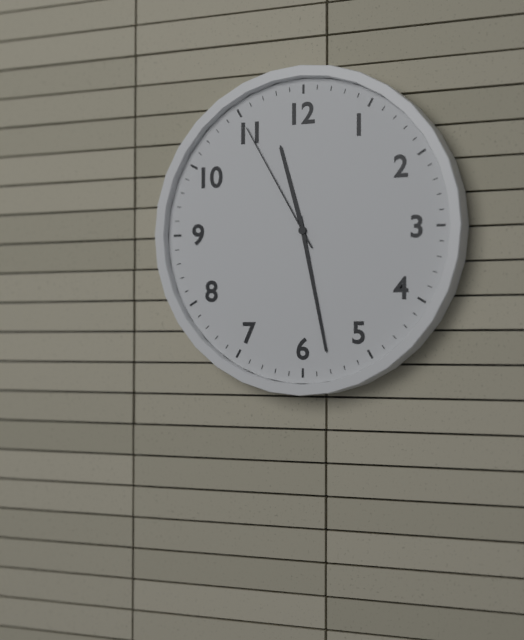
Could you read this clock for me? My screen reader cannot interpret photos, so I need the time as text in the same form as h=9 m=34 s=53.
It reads h=11 m=28 s=55
